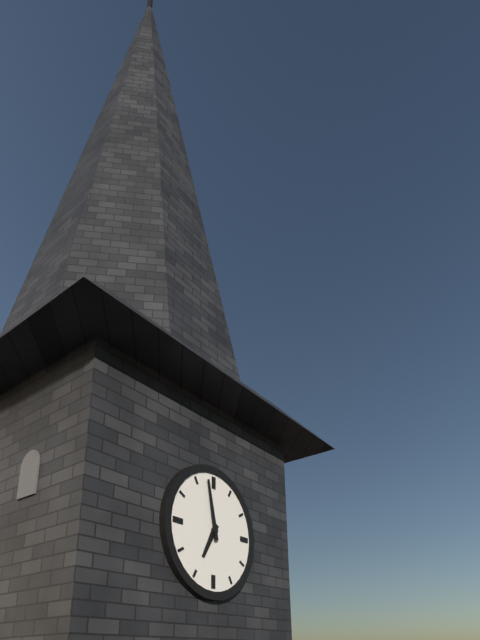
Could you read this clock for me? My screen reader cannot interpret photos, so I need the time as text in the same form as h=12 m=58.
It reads h=6 m=58
